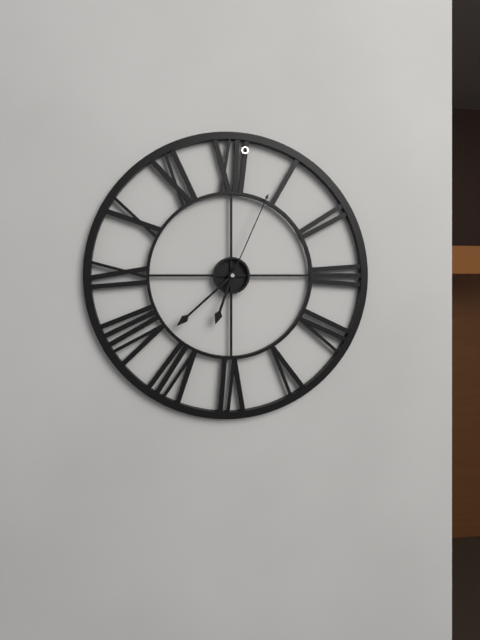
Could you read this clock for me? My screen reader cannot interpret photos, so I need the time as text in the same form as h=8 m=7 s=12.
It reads h=6 m=38 s=4
